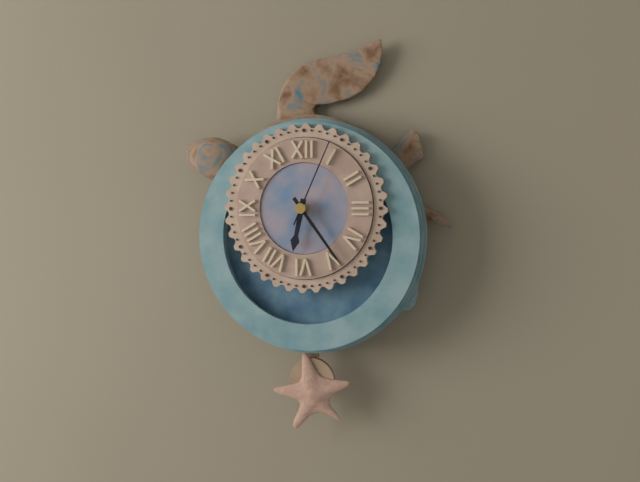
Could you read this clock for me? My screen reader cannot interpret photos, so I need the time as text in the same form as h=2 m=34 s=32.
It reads h=6 m=24 s=4
